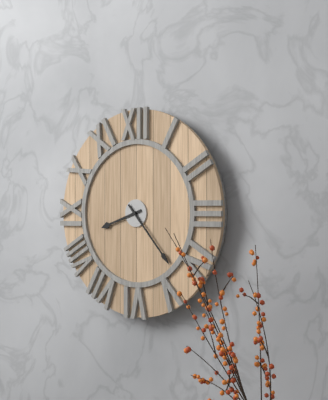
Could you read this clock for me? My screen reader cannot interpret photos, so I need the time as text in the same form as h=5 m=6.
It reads h=8 m=23
